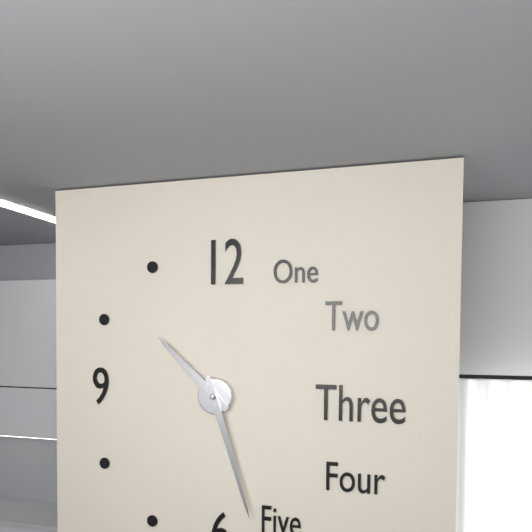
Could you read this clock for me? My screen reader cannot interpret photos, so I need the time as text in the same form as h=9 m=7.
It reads h=10 m=27
